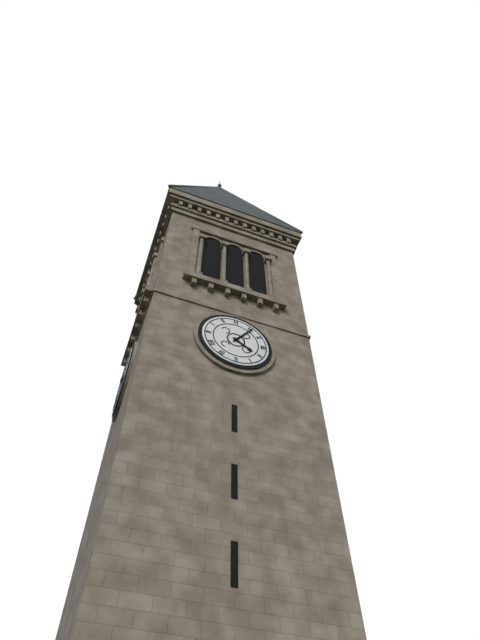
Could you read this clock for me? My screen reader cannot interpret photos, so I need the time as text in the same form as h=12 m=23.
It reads h=4 m=6
